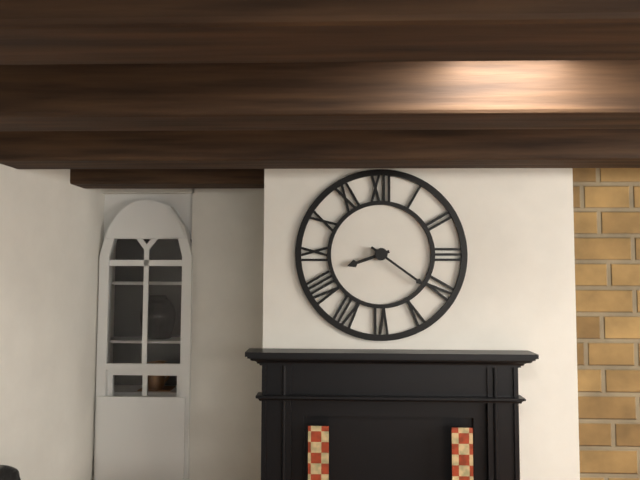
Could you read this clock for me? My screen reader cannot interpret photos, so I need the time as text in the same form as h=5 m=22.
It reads h=8 m=21
